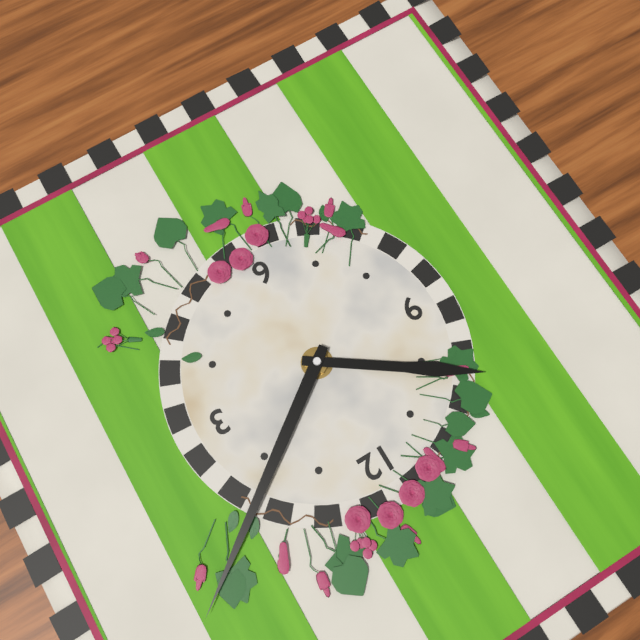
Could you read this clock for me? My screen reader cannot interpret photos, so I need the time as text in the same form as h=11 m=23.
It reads h=10 m=9
